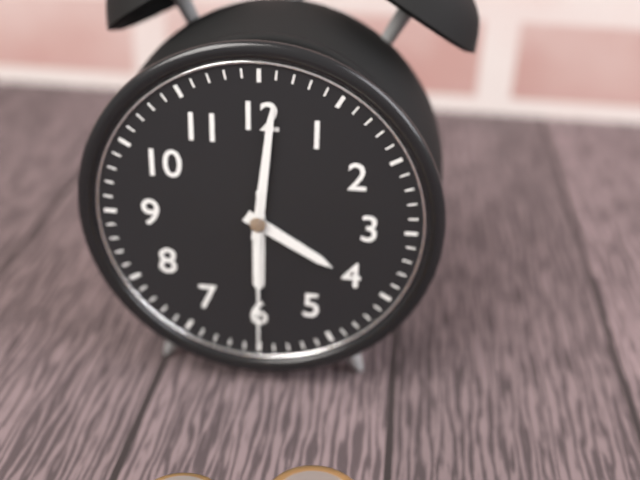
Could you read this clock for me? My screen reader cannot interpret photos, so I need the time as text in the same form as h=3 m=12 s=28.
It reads h=4 m=1 s=30
